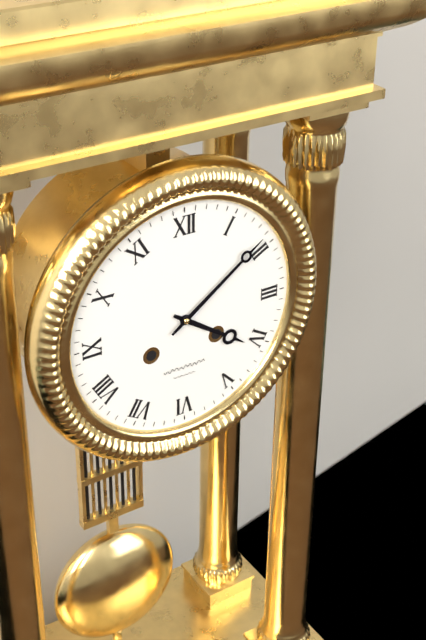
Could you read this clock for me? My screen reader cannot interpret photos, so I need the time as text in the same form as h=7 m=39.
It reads h=4 m=9
